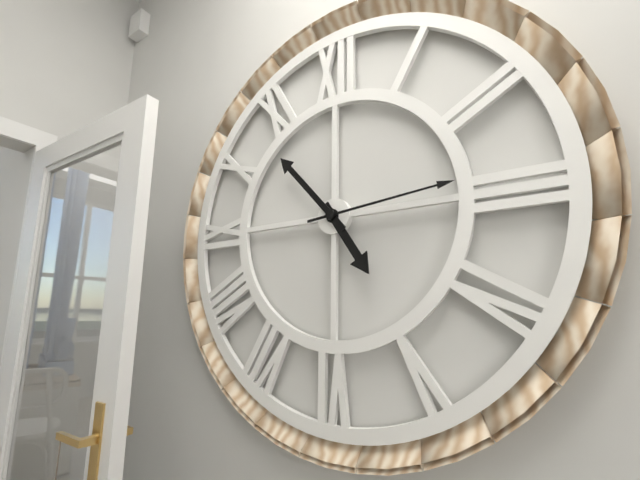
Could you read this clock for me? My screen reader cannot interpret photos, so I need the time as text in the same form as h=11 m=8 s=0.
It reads h=4 m=53 s=14
